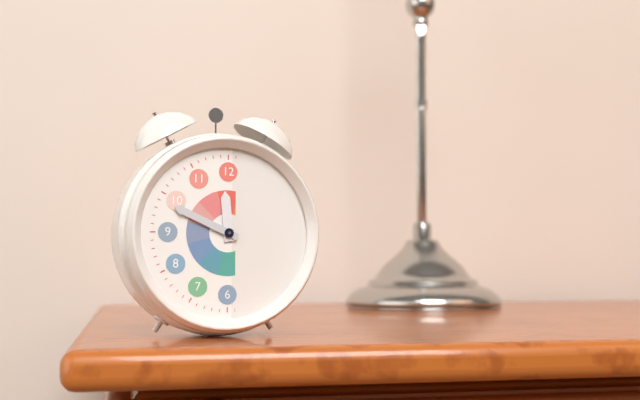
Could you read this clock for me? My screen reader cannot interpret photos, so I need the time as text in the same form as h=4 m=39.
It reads h=11 m=49
